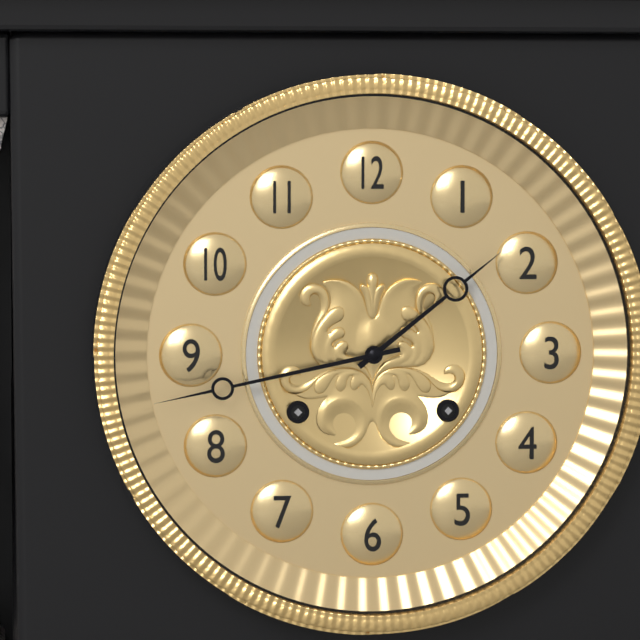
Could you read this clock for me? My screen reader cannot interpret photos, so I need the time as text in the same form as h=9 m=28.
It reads h=1 m=43
